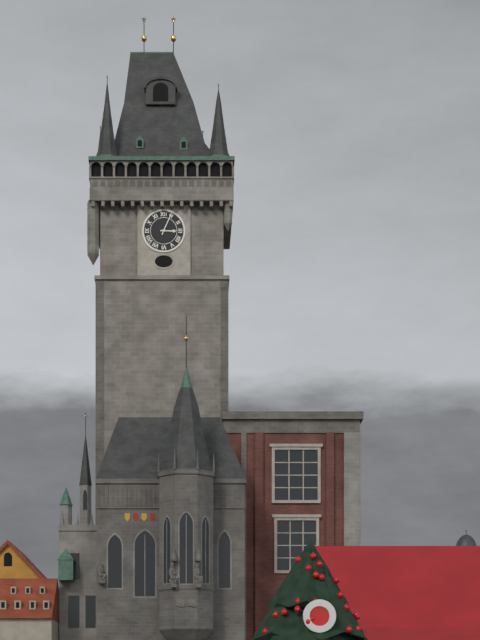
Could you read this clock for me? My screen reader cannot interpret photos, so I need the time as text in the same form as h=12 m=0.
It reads h=3 m=4
